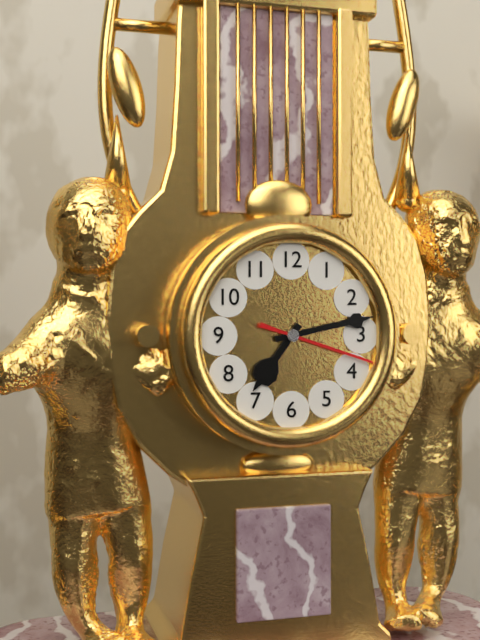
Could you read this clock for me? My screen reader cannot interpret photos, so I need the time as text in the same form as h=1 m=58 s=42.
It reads h=7 m=13 s=18
